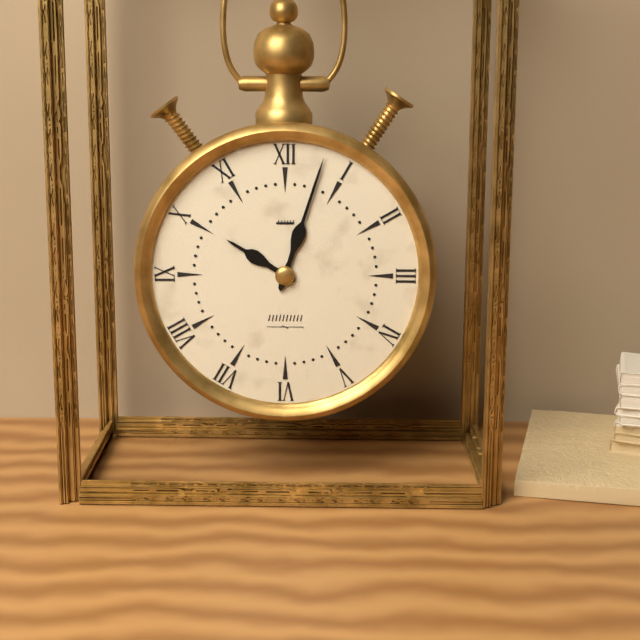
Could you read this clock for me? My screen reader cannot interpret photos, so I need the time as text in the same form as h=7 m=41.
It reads h=10 m=3
